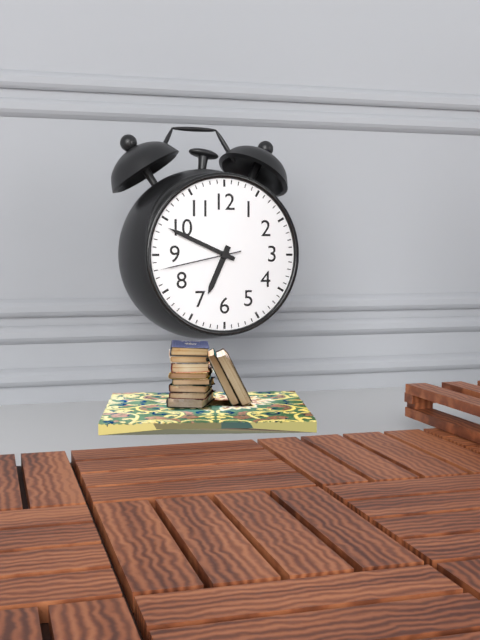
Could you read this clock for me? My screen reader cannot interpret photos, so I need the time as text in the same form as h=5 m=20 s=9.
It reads h=6 m=49 s=43
